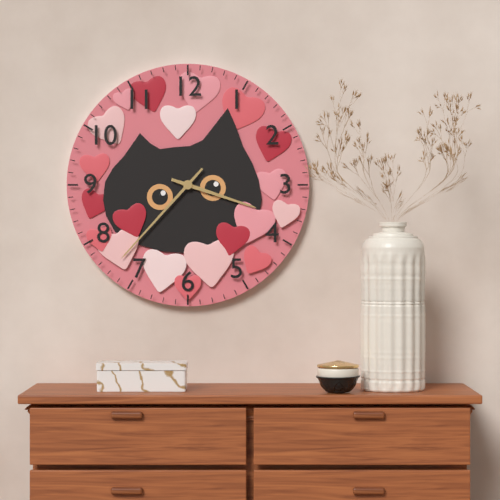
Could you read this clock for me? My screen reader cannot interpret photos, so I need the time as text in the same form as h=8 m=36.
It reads h=3 m=37
